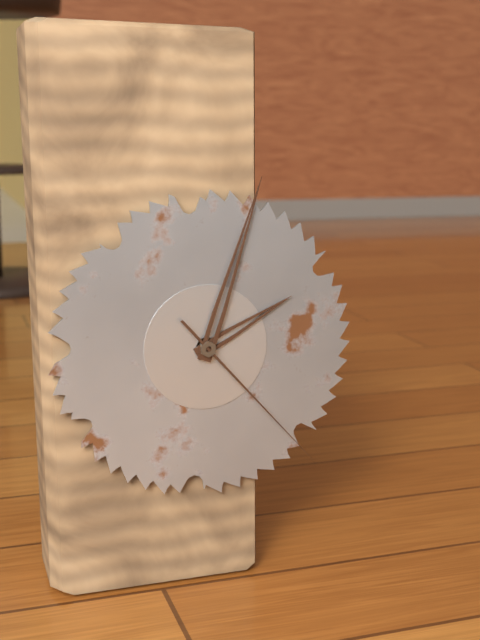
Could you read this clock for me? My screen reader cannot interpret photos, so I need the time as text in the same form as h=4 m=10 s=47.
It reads h=2 m=3 s=23
